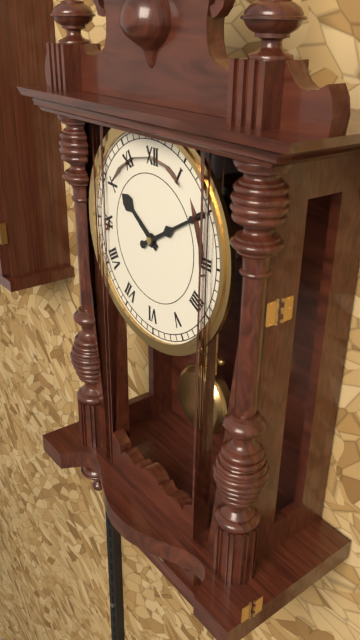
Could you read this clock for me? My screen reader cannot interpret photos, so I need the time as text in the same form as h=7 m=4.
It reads h=10 m=10
